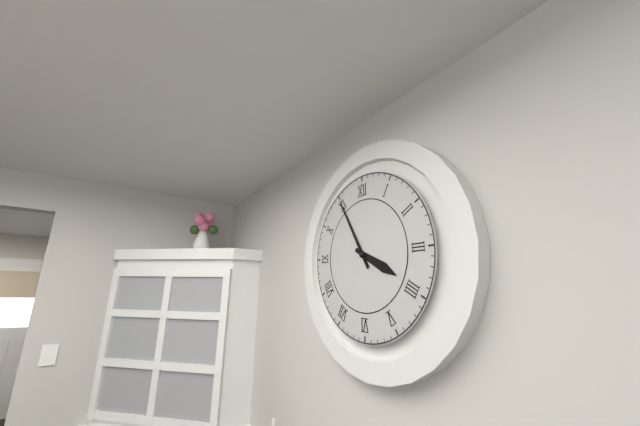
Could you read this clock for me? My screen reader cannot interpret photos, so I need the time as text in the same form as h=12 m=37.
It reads h=3 m=55
